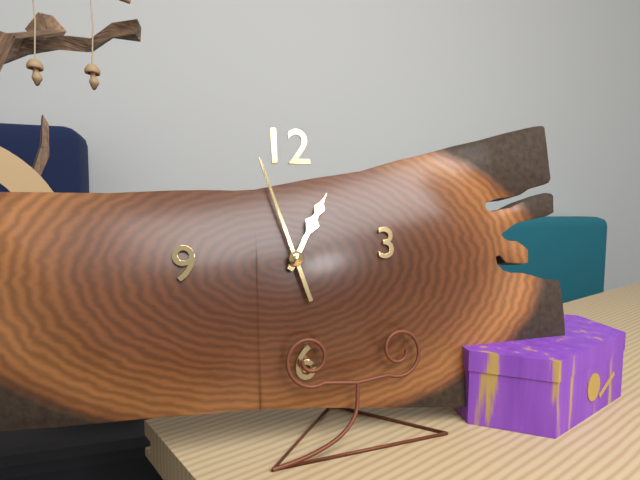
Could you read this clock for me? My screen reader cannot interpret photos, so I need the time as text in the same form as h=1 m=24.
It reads h=12 m=57
